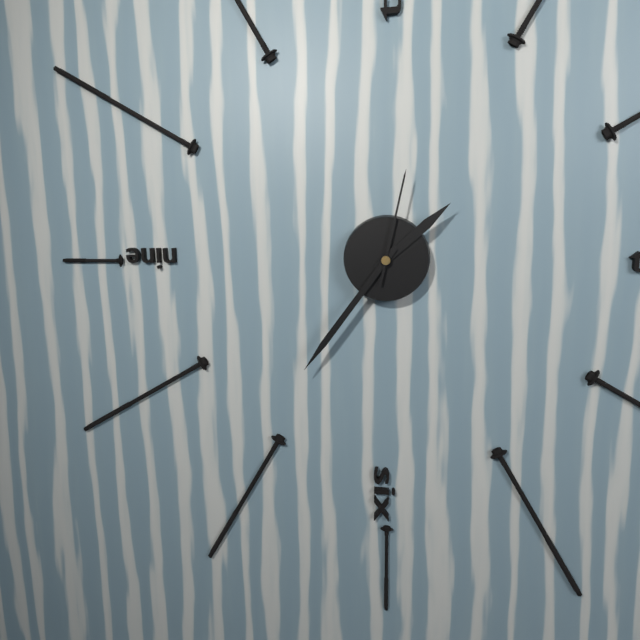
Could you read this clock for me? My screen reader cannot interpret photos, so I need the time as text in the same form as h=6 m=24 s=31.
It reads h=1 m=36 s=2
